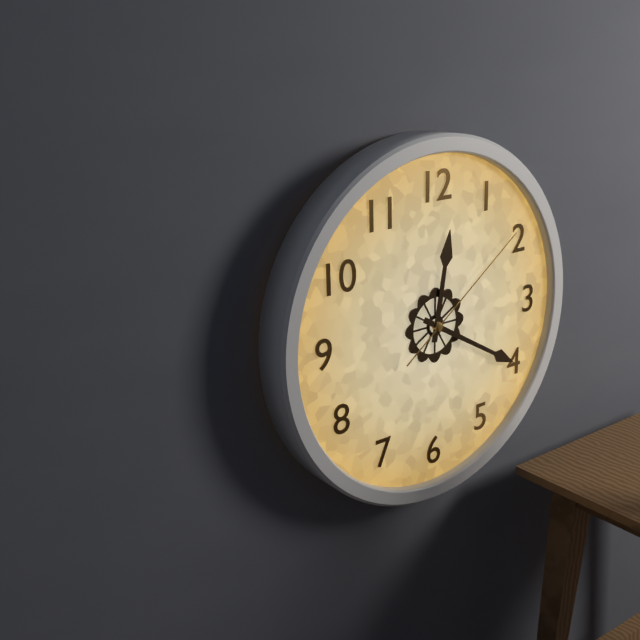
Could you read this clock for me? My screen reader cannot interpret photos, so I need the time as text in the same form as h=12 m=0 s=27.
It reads h=12 m=20 s=9
